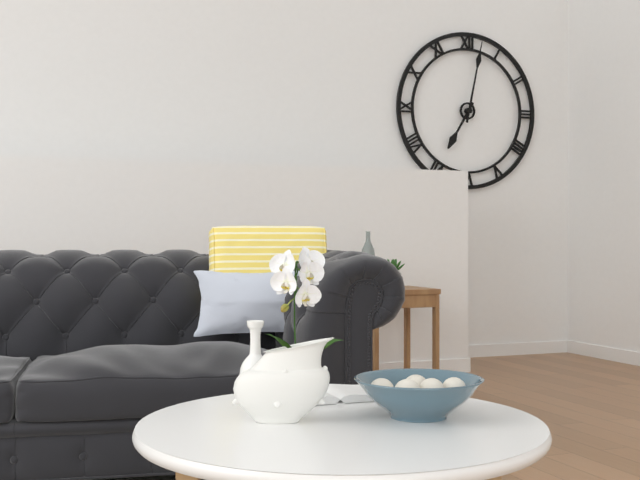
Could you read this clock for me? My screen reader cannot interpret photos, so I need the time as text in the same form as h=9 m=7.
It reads h=7 m=2
